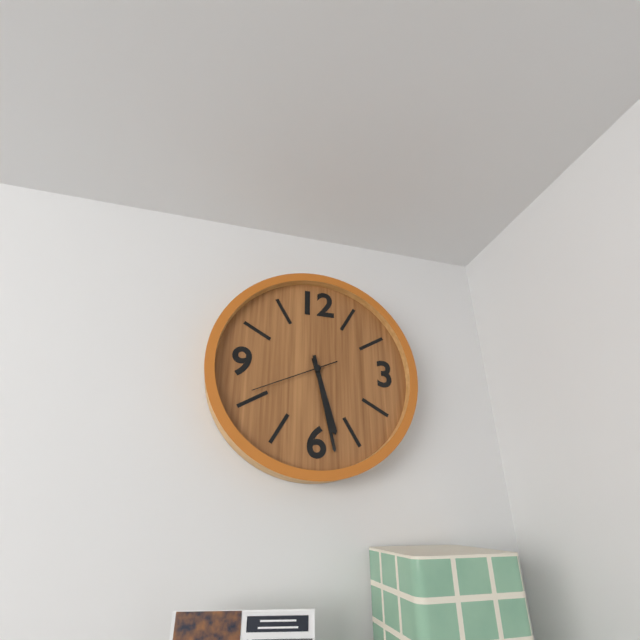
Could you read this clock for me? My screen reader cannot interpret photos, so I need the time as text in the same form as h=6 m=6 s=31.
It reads h=5 m=28 s=41
